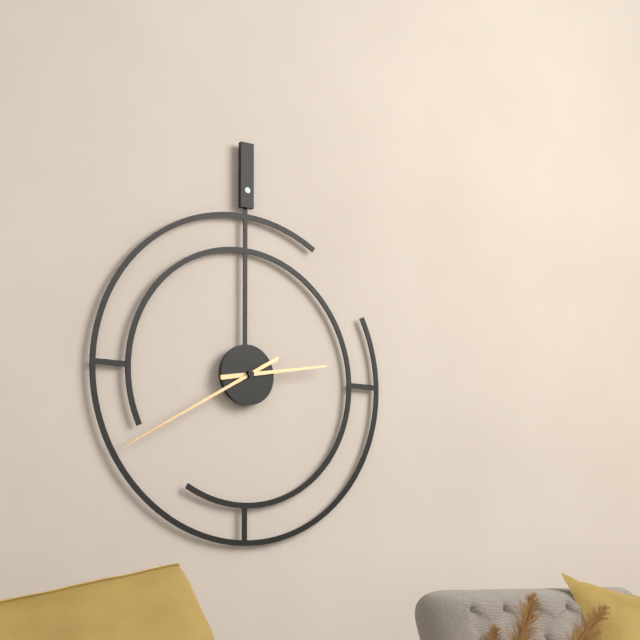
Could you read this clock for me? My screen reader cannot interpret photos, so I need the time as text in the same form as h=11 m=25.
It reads h=2 m=40
